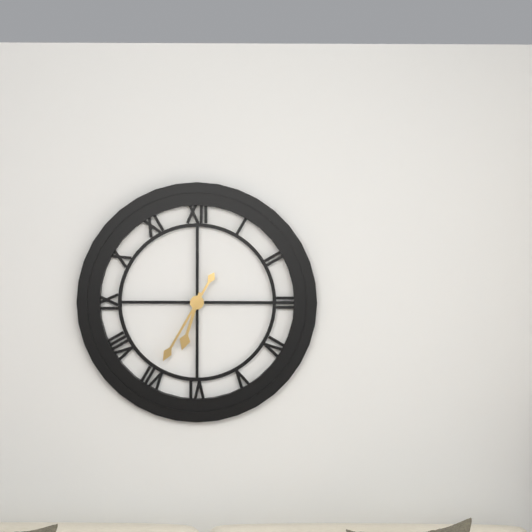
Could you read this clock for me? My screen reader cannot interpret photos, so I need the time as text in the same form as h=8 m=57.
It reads h=6 m=35
